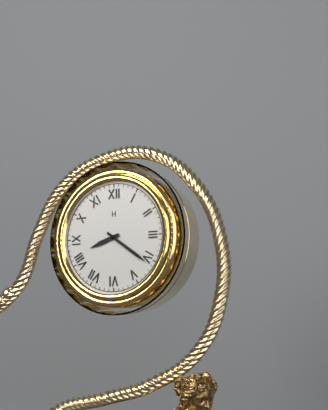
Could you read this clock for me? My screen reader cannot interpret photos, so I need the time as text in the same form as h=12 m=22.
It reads h=8 m=21
